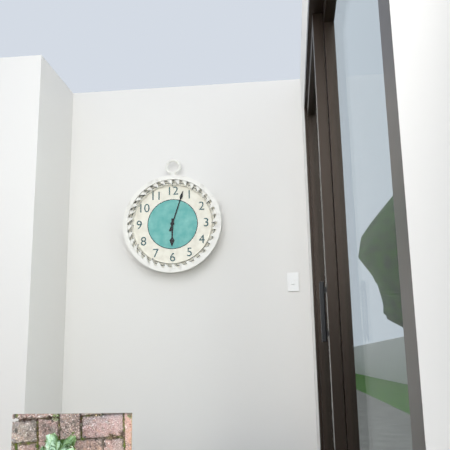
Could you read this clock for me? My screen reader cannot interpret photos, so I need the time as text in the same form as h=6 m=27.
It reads h=6 m=3
